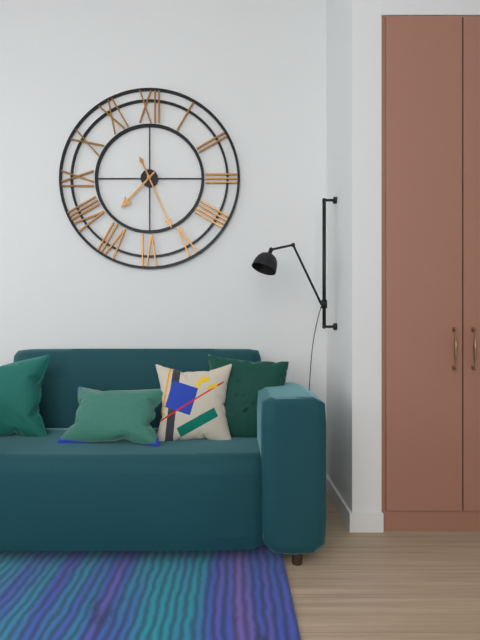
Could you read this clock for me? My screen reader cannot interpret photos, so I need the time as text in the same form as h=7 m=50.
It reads h=7 m=26
